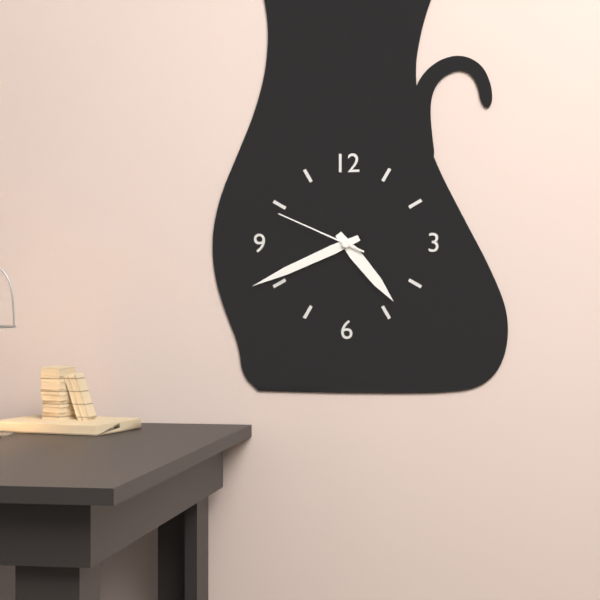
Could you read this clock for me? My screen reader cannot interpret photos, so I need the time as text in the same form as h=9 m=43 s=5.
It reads h=4 m=41 s=49
